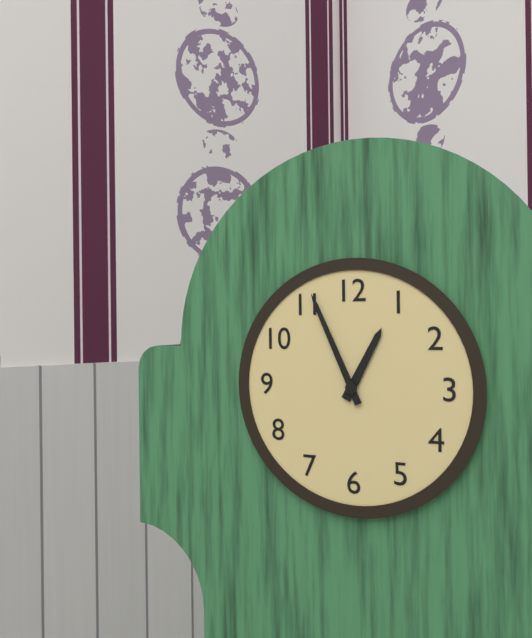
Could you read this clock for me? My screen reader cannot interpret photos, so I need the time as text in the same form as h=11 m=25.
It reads h=12 m=56
